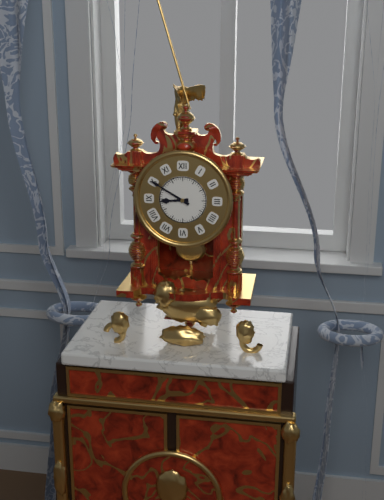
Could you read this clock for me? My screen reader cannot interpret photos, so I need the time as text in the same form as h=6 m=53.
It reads h=8 m=50
